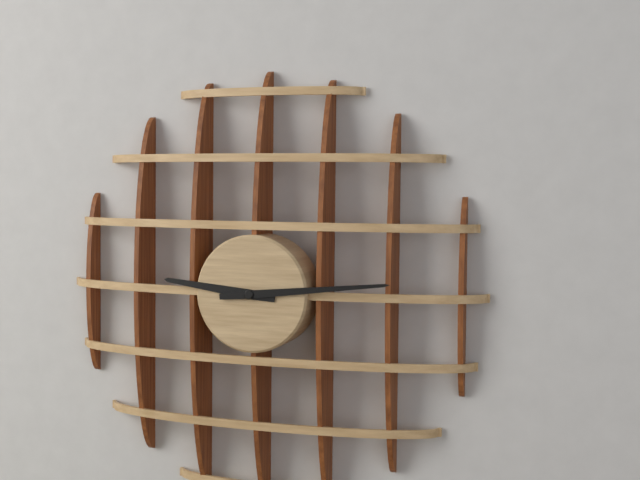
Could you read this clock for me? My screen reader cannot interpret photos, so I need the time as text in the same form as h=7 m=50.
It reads h=9 m=14
